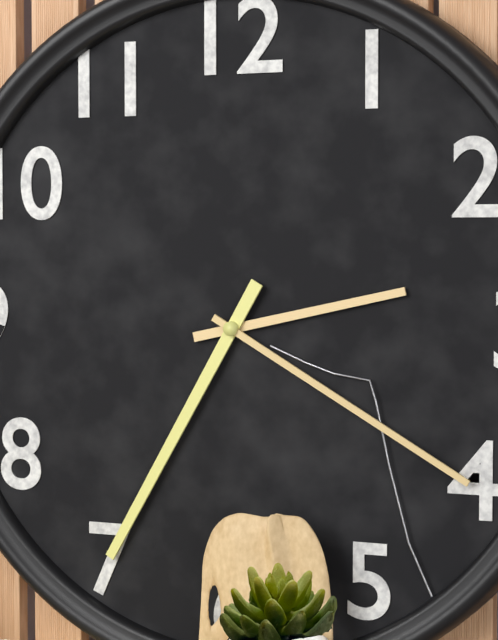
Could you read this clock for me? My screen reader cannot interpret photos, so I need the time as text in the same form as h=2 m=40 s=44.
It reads h=2 m=35 s=20
